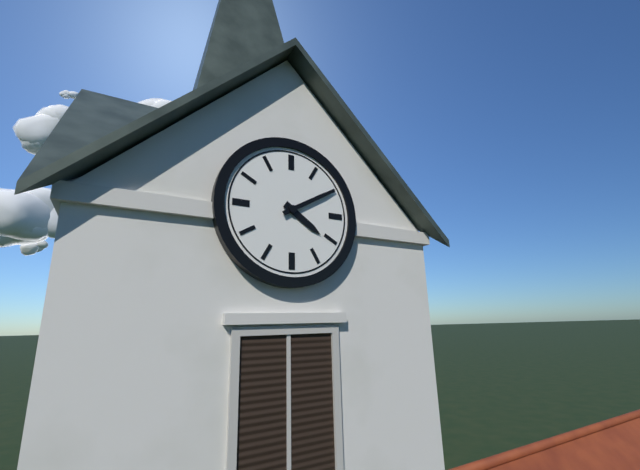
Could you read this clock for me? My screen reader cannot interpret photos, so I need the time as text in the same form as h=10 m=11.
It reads h=4 m=10
